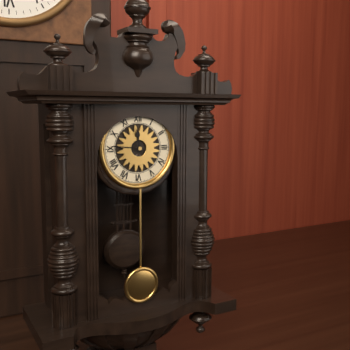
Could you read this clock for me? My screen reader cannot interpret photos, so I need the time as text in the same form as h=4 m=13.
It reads h=11 m=46
